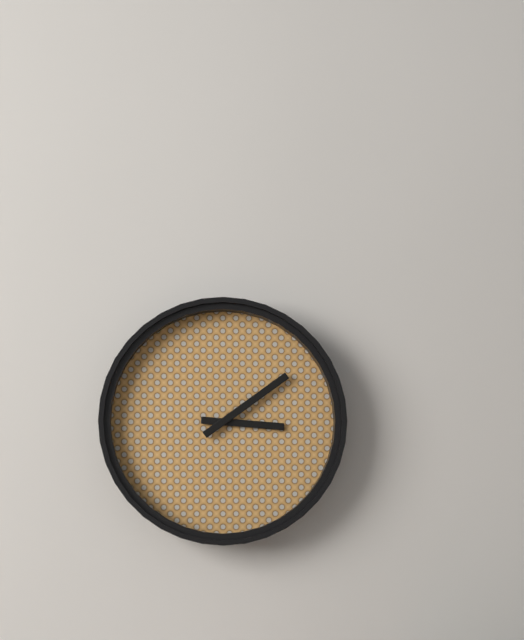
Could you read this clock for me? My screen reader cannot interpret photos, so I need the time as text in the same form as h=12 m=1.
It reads h=3 m=9
